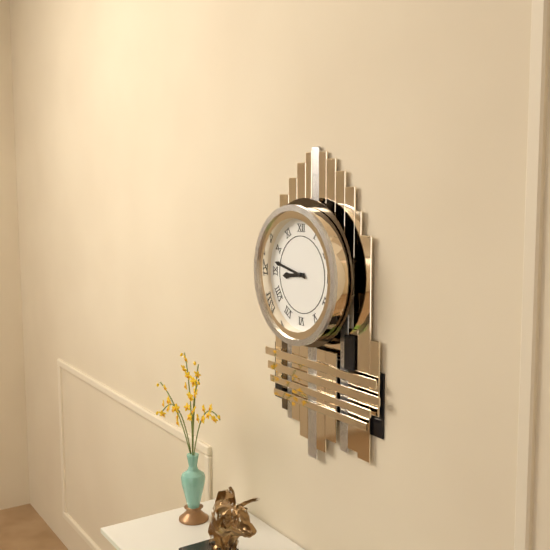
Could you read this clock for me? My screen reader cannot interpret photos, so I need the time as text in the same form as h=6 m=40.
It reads h=8 m=47
